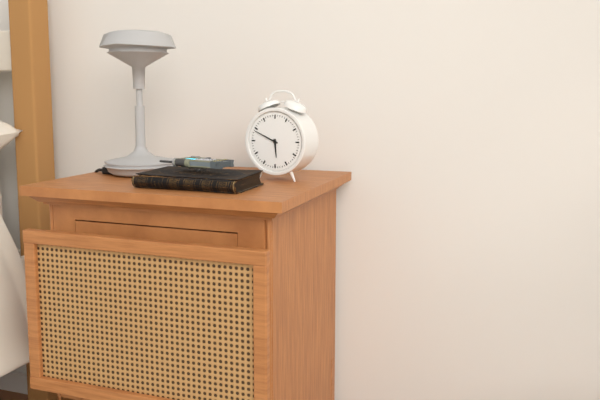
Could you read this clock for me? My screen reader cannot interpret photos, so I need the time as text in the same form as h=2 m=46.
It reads h=5 m=49
